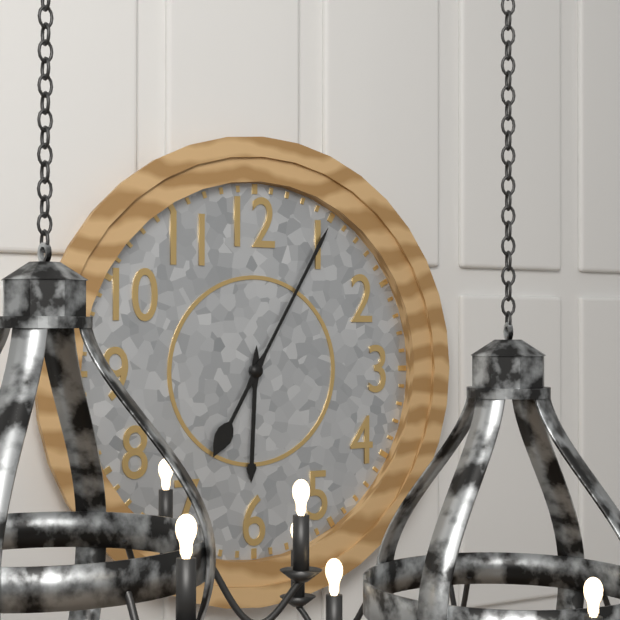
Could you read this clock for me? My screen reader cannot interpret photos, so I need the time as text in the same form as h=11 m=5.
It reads h=6 m=5
